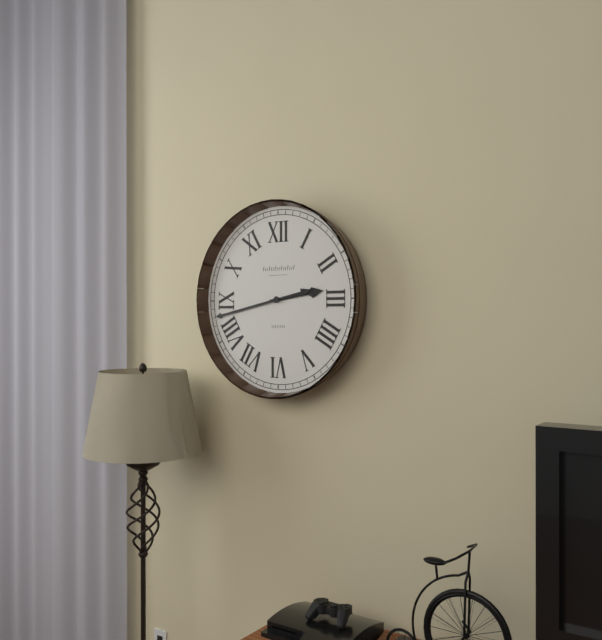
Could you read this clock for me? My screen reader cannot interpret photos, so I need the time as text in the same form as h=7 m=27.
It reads h=2 m=43
